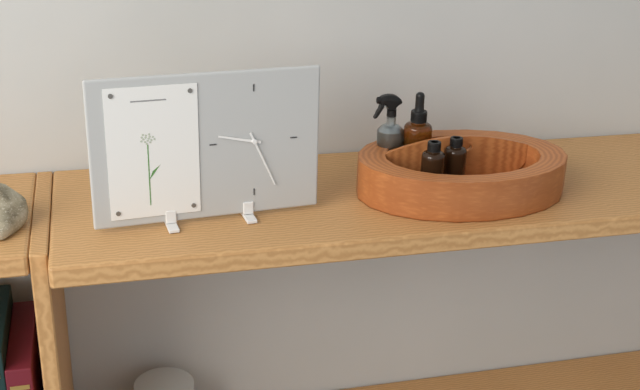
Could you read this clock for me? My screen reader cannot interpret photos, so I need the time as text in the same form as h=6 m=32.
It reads h=9 m=26
